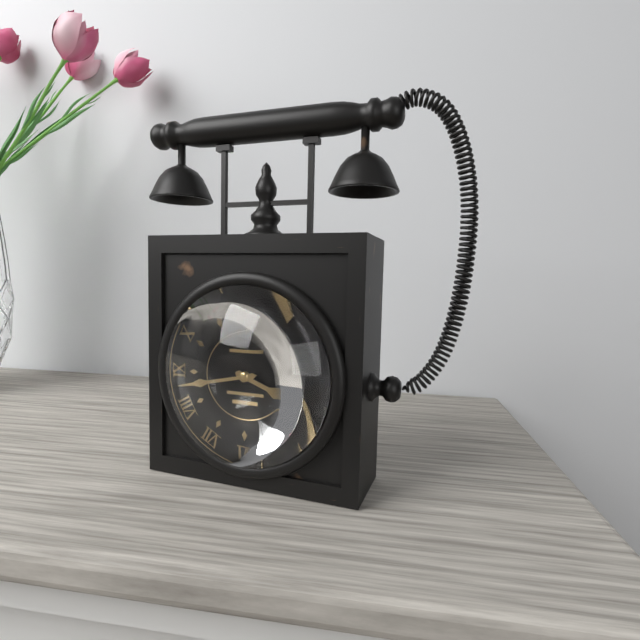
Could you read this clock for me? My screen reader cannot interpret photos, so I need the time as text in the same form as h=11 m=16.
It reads h=3 m=43
